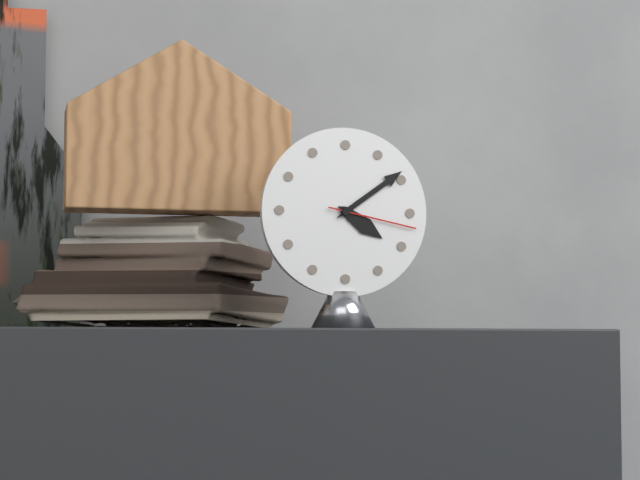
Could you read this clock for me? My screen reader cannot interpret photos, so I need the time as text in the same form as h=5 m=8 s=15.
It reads h=4 m=9 s=17
